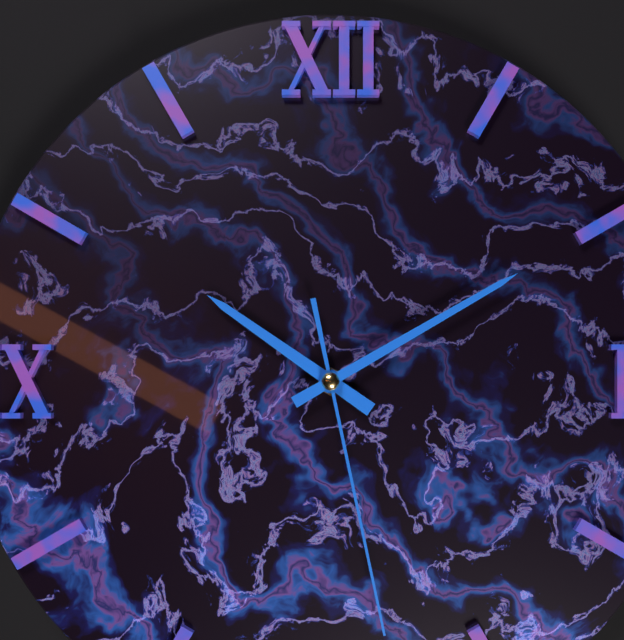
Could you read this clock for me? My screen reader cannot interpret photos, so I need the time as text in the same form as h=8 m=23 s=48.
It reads h=10 m=10 s=28
